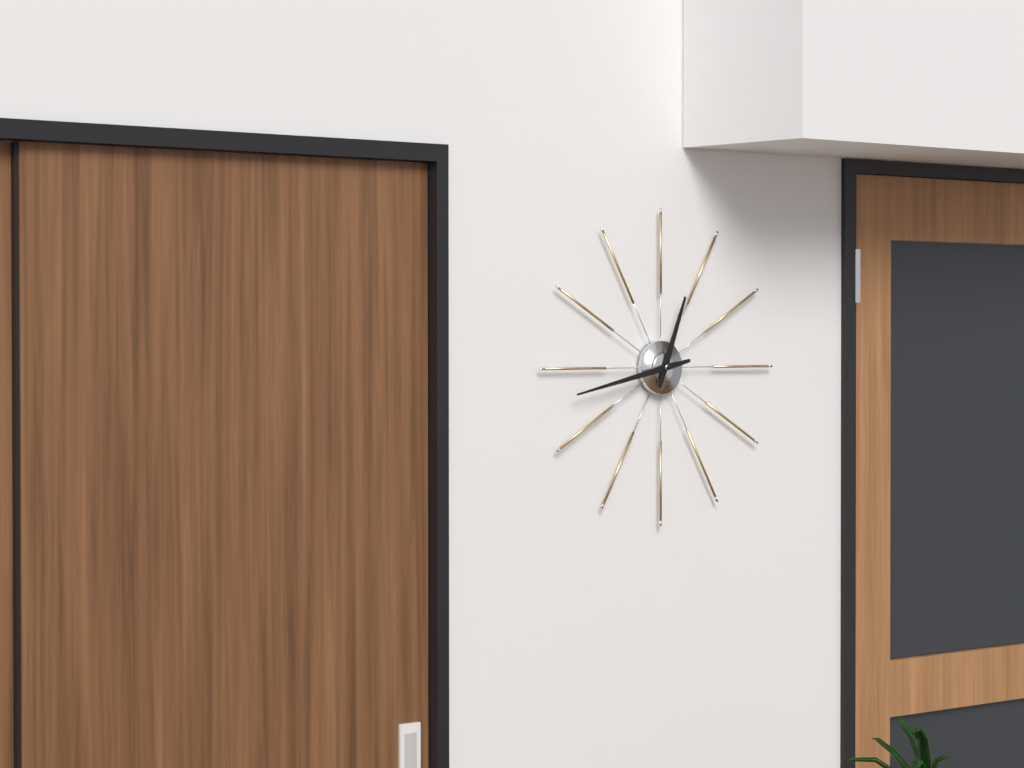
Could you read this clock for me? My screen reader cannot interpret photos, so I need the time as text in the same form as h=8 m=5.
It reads h=12 m=43
